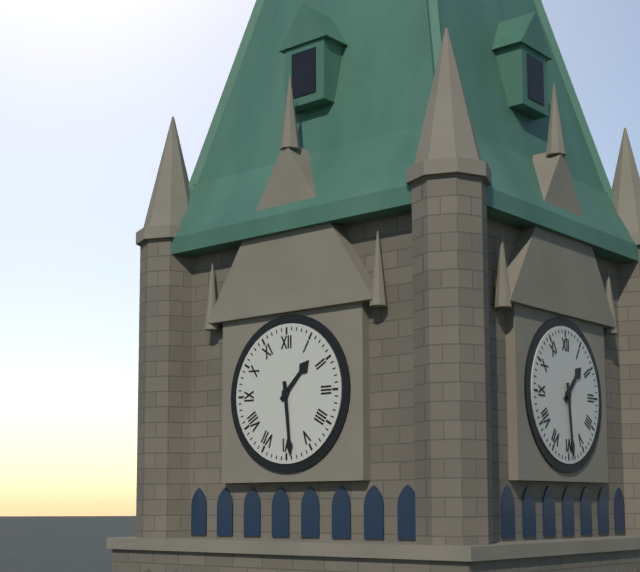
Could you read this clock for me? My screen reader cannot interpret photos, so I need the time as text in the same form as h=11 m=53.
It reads h=1 m=29
